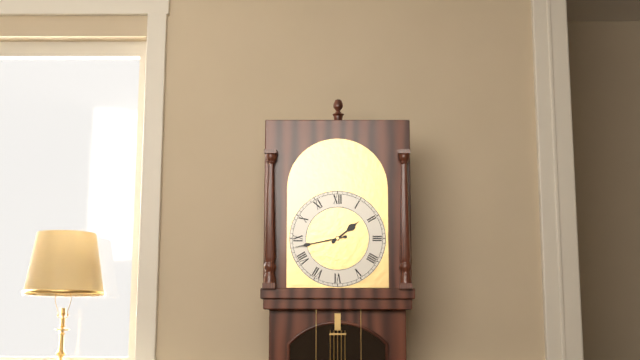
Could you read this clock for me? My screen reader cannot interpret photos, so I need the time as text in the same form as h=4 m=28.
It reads h=1 m=43
